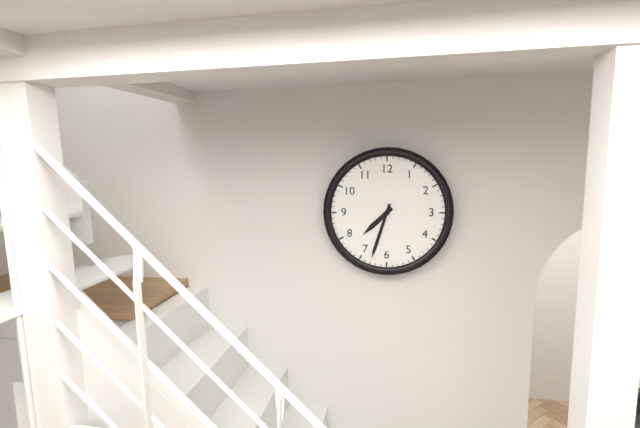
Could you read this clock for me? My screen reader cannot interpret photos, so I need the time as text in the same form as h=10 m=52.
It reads h=7 m=33
